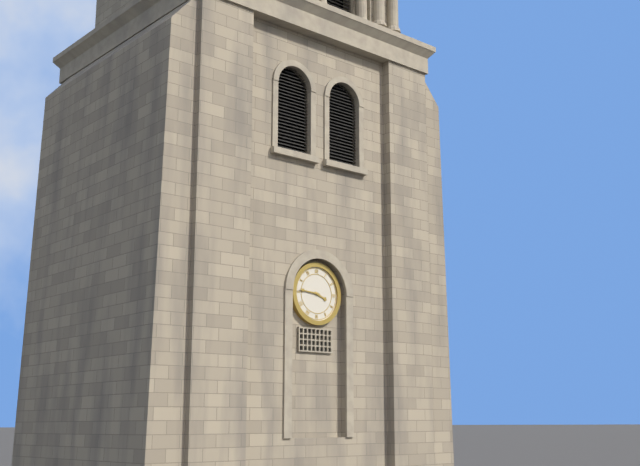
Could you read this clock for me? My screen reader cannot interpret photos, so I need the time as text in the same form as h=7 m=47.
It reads h=3 m=46
